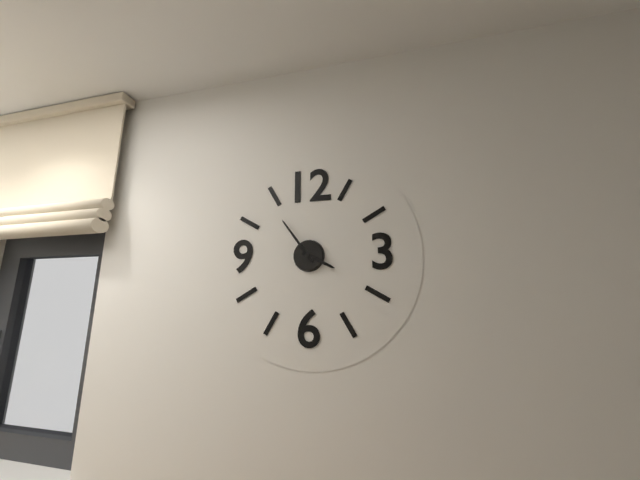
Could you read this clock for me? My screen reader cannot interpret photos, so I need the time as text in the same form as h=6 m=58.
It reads h=3 m=54
